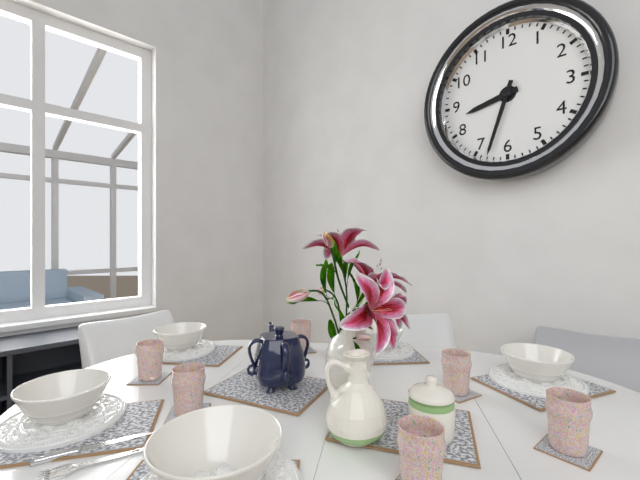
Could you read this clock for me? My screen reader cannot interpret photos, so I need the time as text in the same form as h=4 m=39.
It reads h=8 m=33
